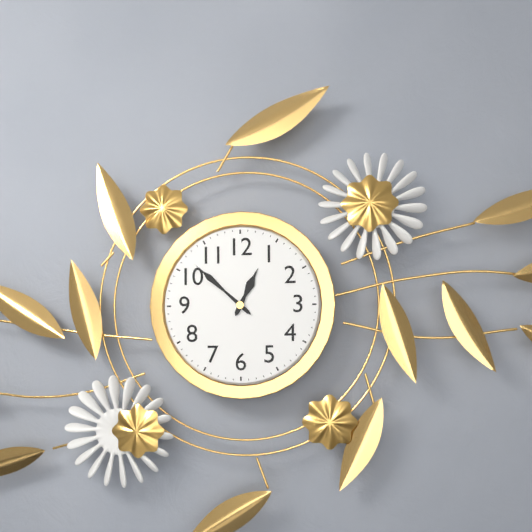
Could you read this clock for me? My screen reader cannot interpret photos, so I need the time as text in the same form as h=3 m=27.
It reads h=12 m=52
